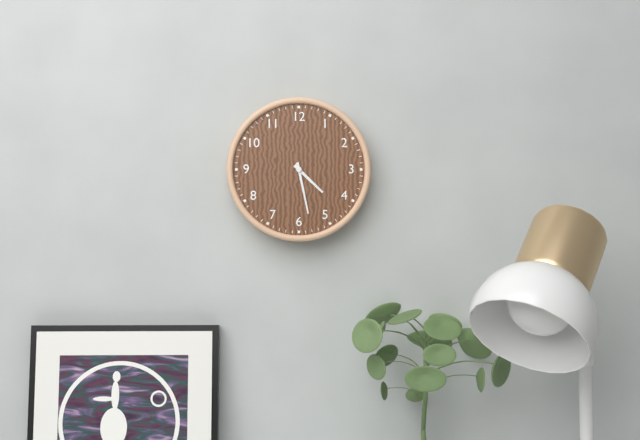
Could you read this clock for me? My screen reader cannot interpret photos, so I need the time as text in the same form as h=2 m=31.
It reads h=4 m=28
